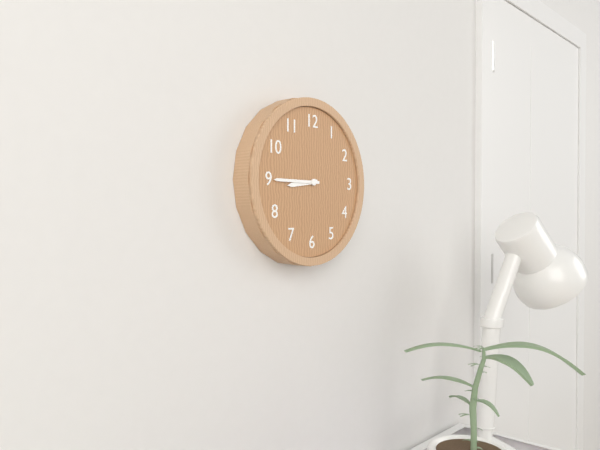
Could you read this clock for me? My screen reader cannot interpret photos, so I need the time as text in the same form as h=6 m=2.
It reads h=8 m=45
